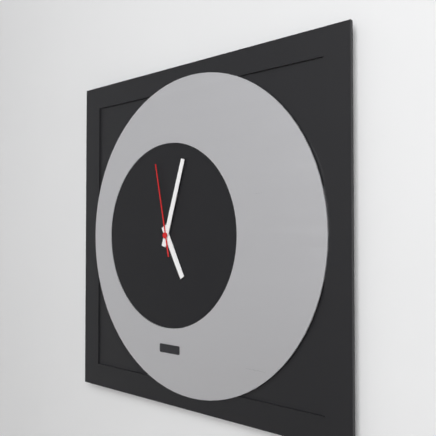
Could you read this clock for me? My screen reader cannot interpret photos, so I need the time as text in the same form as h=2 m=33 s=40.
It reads h=5 m=3 s=58
